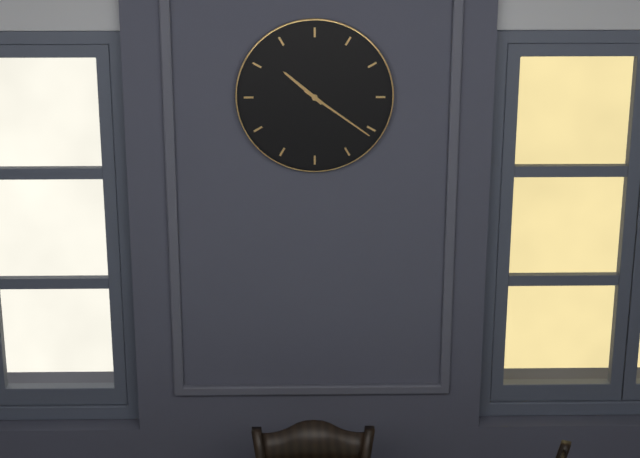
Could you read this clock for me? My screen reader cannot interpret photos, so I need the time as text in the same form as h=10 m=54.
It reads h=10 m=21
